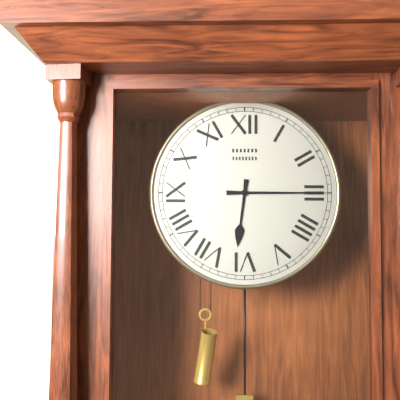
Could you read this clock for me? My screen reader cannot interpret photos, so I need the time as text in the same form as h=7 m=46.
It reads h=6 m=15
